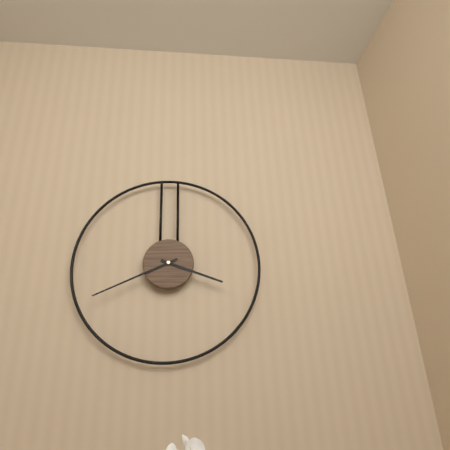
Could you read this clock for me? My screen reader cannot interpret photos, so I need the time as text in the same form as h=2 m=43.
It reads h=3 m=41
